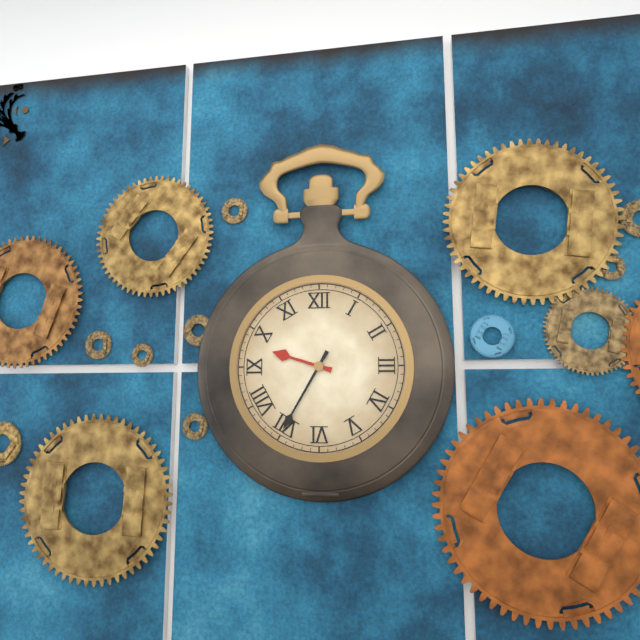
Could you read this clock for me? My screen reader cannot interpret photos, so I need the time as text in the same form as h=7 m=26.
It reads h=9 m=35
